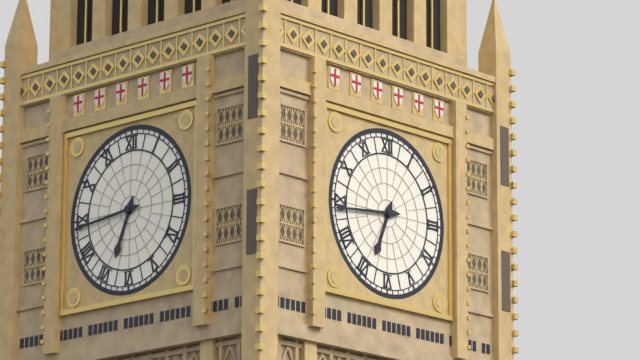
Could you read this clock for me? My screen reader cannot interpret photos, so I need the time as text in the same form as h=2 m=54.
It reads h=6 m=44
